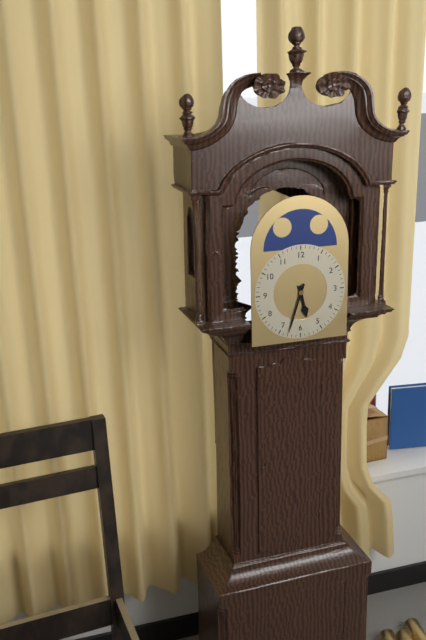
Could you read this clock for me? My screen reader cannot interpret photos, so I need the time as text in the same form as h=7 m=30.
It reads h=5 m=33
